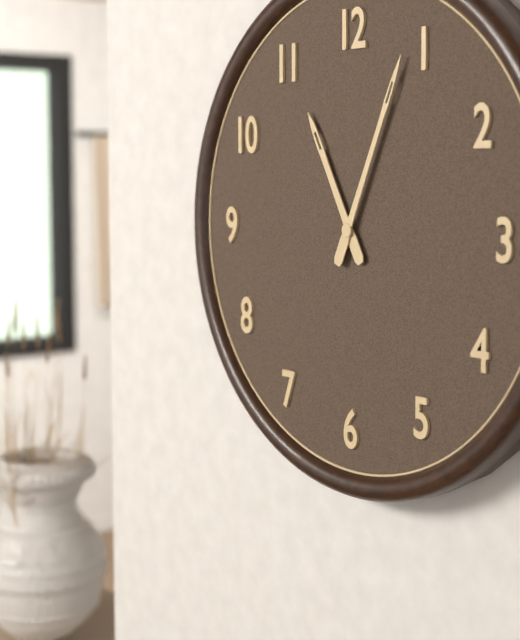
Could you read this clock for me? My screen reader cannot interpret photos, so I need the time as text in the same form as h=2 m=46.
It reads h=11 m=4
